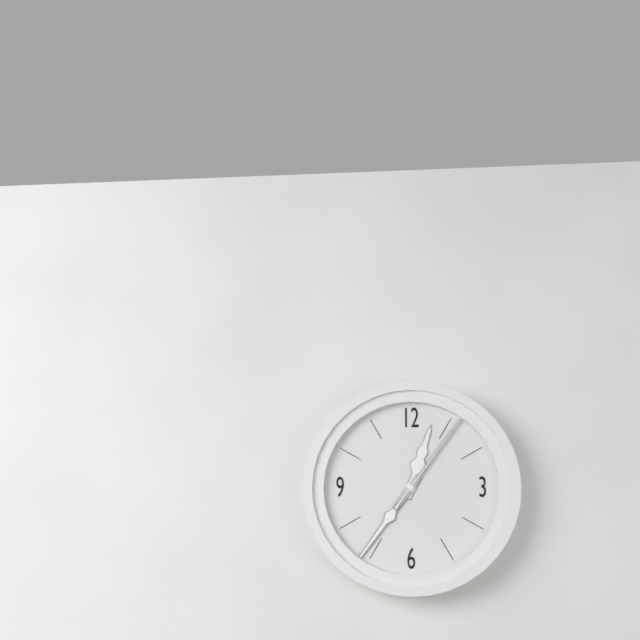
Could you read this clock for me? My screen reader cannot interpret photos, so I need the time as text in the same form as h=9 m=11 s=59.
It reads h=12 m=36 s=6
